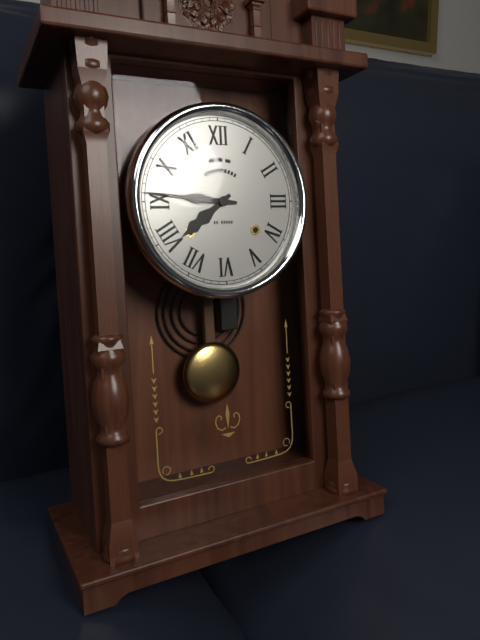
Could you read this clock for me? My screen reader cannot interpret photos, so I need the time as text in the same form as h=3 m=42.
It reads h=7 m=46
